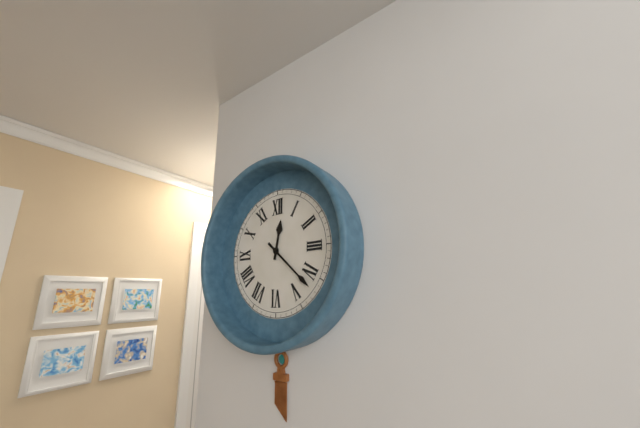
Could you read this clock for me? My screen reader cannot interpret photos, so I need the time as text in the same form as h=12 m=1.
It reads h=12 m=22
